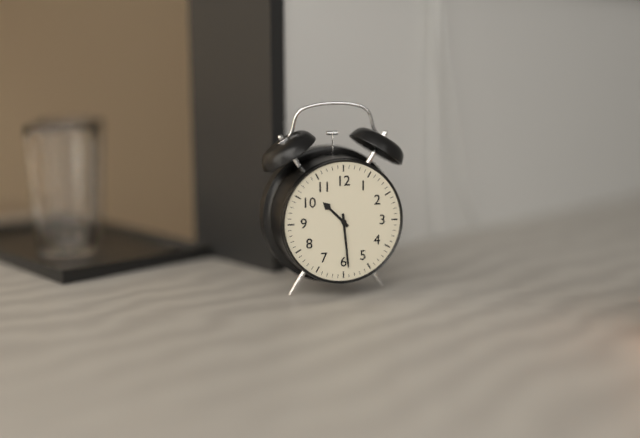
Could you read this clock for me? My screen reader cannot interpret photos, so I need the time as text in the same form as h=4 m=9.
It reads h=10 m=29
